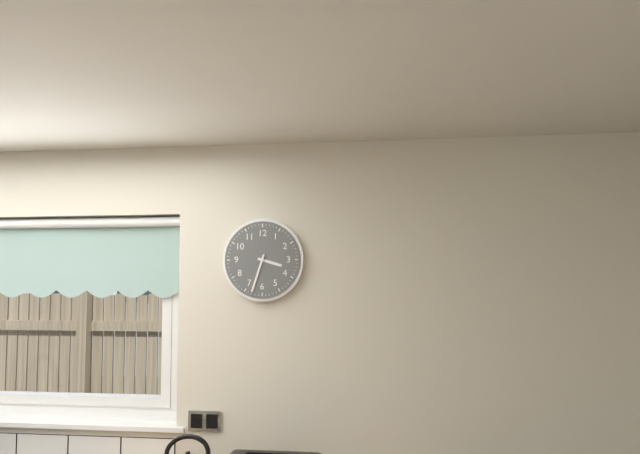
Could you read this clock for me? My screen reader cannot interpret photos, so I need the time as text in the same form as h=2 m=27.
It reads h=3 m=33
